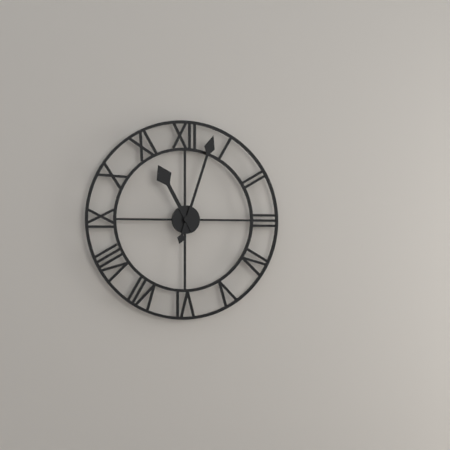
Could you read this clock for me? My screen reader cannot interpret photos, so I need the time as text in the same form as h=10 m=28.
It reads h=11 m=3
